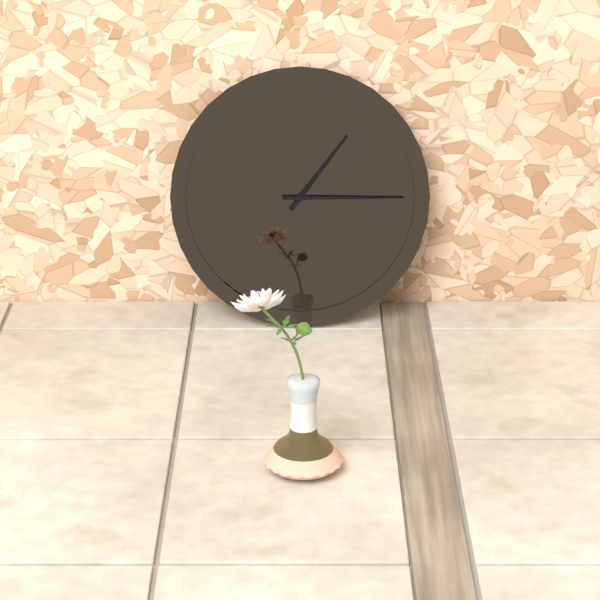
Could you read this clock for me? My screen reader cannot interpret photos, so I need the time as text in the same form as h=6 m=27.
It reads h=1 m=15
